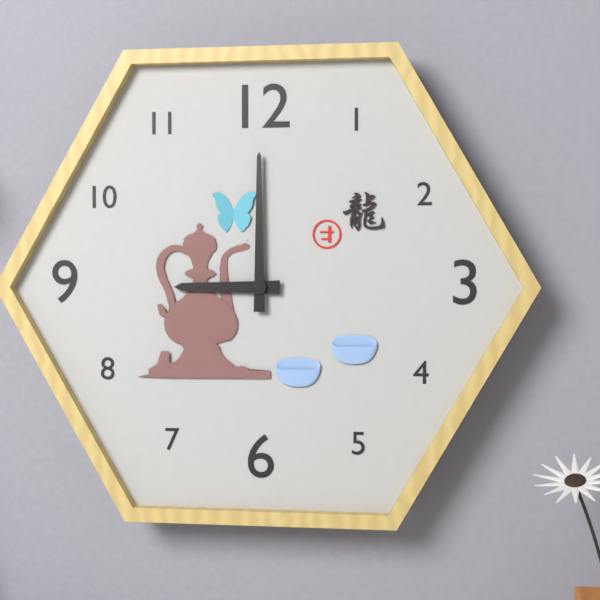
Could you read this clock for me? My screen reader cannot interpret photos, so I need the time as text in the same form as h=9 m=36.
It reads h=9 m=0
